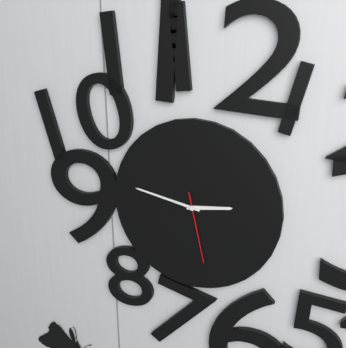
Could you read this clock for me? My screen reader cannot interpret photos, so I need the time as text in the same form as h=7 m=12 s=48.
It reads h=2 m=47 s=28
